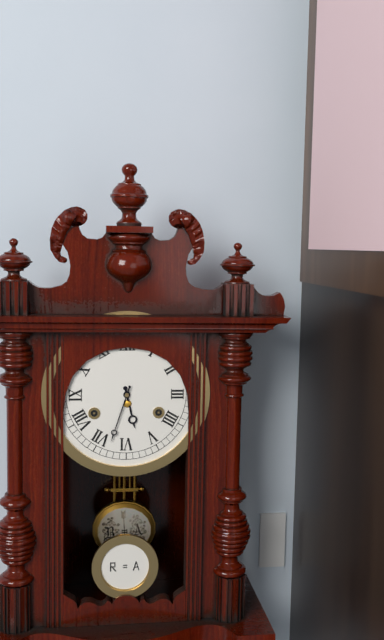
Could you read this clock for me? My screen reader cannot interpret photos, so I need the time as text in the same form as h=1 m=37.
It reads h=5 m=33
